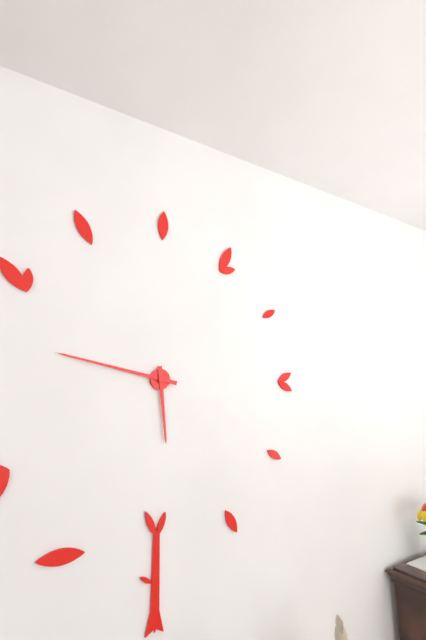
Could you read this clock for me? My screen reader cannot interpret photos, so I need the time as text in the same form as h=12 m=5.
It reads h=5 m=47
